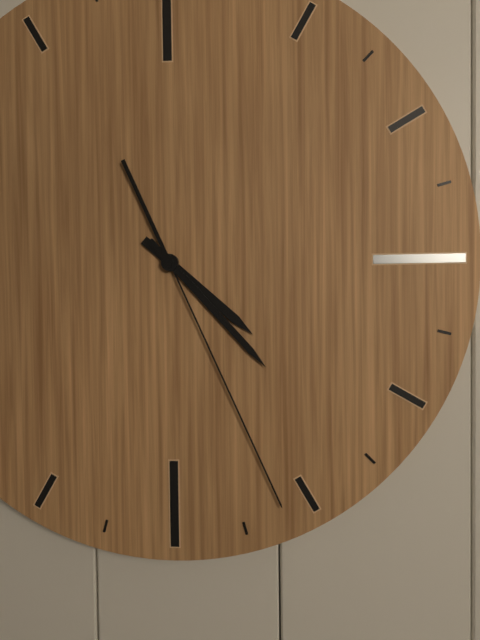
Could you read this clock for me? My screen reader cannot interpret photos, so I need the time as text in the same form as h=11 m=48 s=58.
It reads h=4 m=23 s=26
